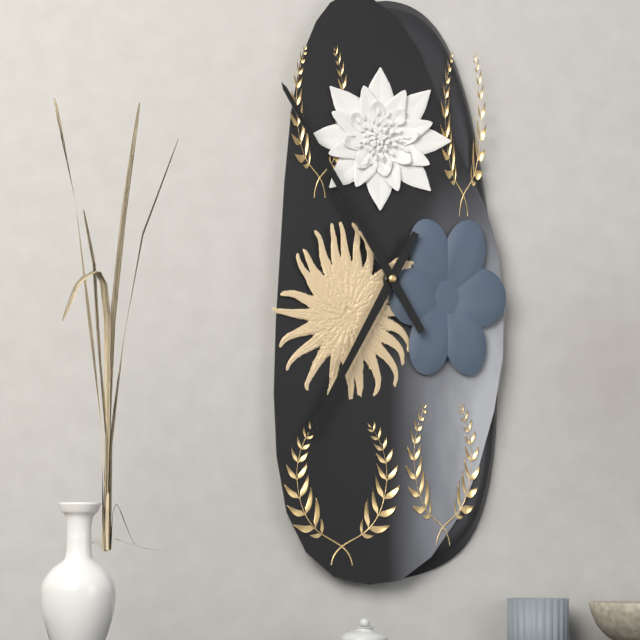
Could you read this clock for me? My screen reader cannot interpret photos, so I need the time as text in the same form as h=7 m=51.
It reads h=6 m=55
